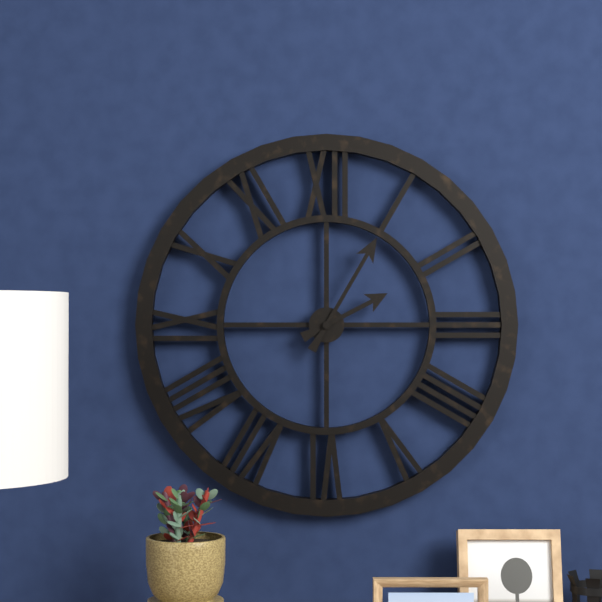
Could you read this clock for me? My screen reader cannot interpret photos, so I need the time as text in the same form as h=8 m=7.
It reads h=2 m=5
